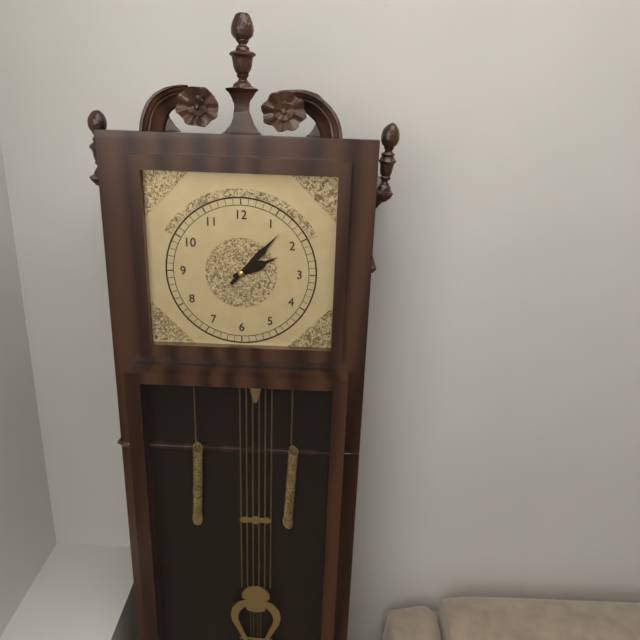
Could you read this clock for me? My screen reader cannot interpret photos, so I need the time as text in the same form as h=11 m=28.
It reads h=2 m=7
